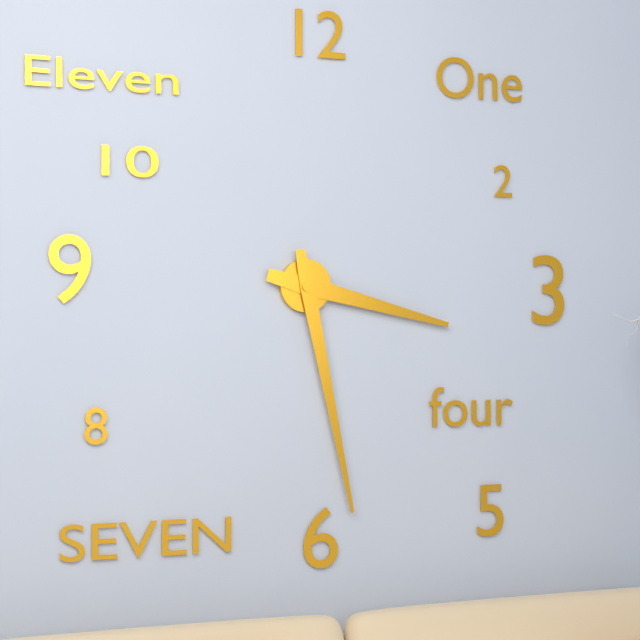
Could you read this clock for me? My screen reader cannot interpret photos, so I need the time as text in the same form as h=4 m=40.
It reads h=3 m=28
